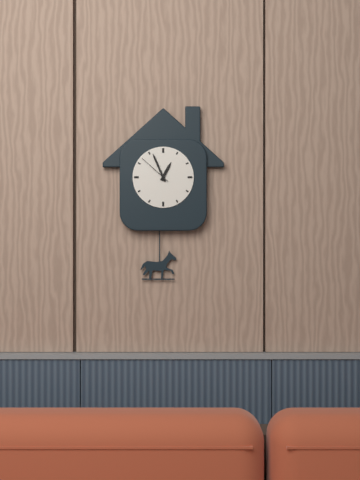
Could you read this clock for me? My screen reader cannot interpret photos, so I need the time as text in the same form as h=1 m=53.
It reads h=12 m=56
